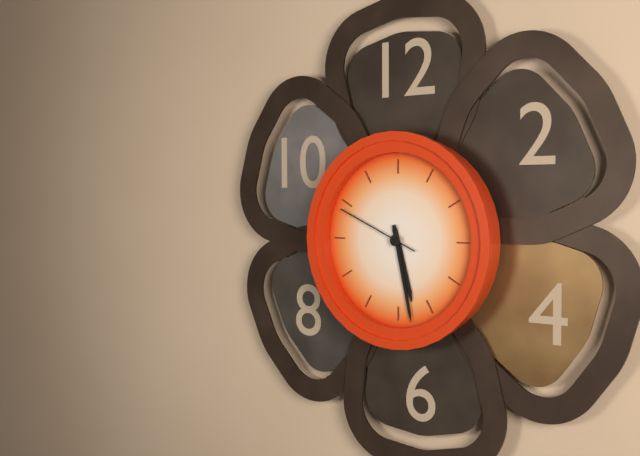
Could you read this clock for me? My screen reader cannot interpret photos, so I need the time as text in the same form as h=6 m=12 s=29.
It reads h=5 m=28 s=49
